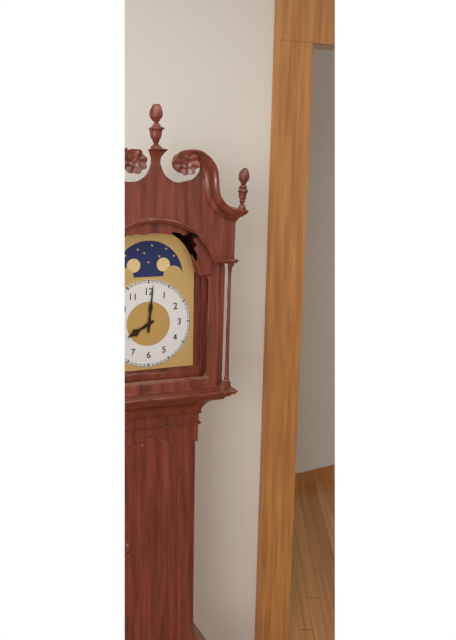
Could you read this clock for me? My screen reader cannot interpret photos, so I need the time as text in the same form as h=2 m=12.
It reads h=8 m=1
